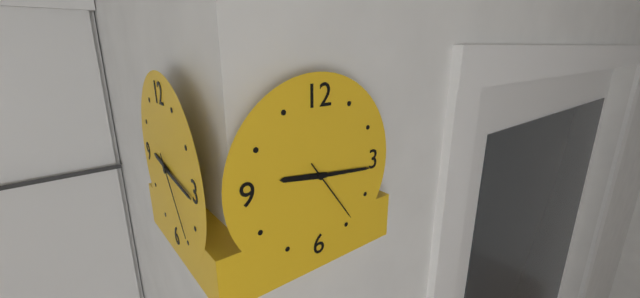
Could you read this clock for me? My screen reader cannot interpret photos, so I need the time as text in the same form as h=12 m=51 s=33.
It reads h=9 m=16 s=24
